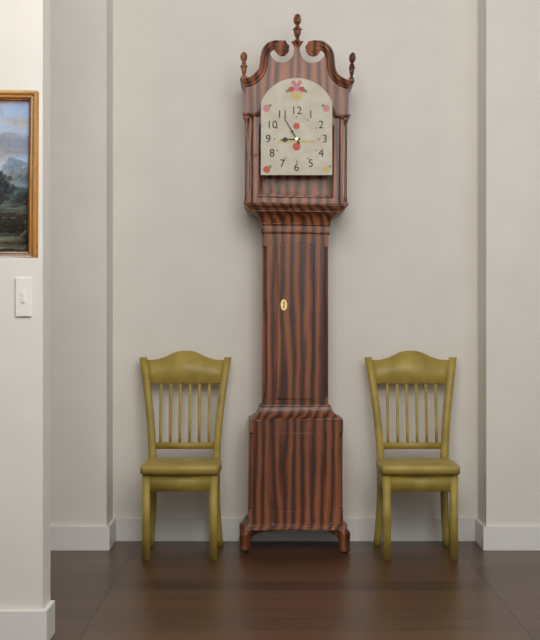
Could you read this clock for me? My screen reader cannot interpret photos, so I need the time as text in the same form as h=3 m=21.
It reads h=8 m=55
